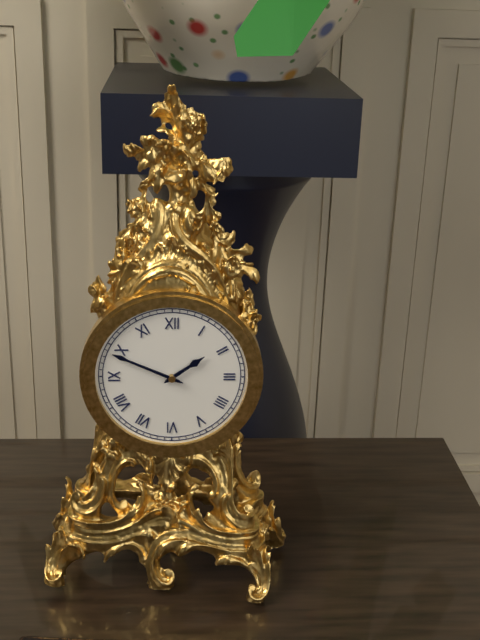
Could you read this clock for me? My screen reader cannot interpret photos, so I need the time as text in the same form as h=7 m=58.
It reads h=1 m=49
